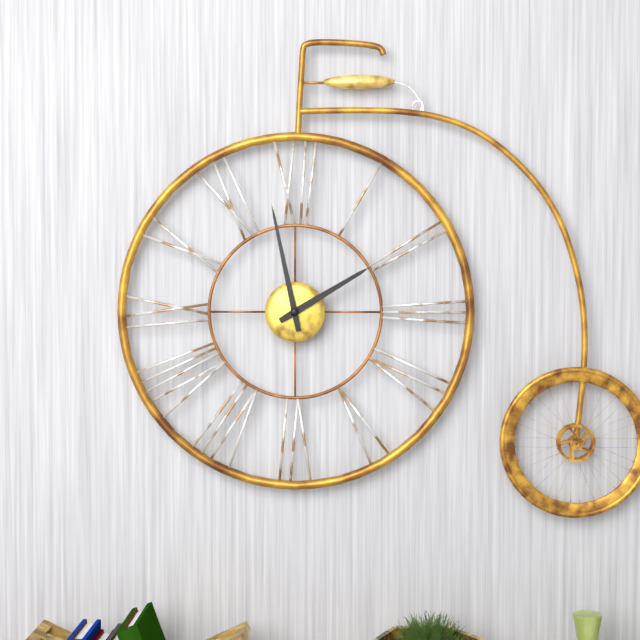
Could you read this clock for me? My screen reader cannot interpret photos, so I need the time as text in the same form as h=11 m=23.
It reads h=1 m=58
